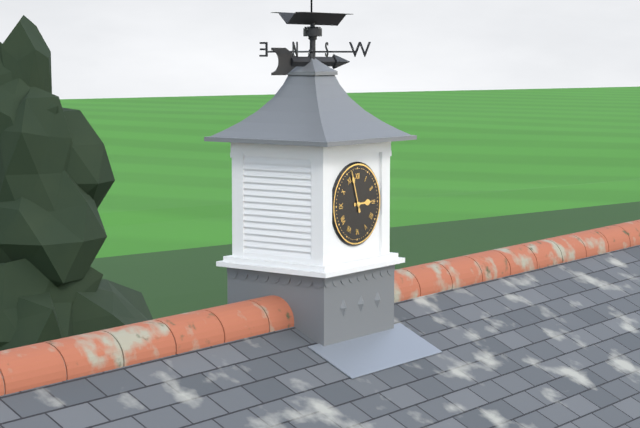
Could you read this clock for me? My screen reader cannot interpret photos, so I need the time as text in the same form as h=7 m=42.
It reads h=2 m=57
